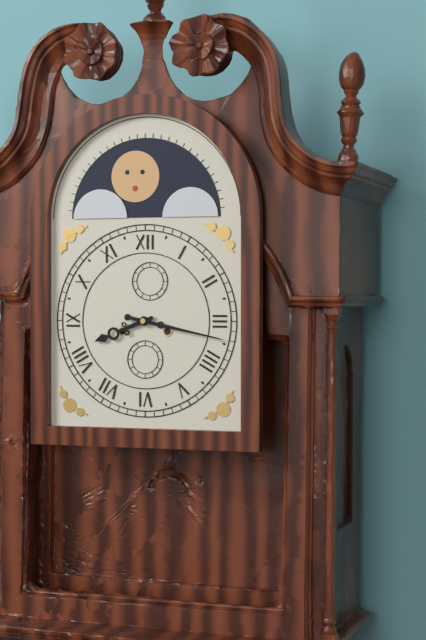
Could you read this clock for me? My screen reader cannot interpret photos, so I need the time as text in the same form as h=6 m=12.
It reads h=8 m=17
